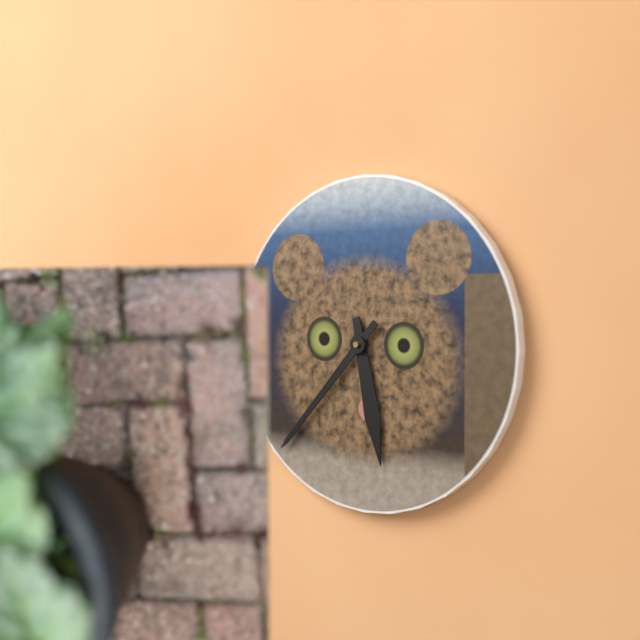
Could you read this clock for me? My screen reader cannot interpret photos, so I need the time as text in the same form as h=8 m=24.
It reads h=5 m=37
